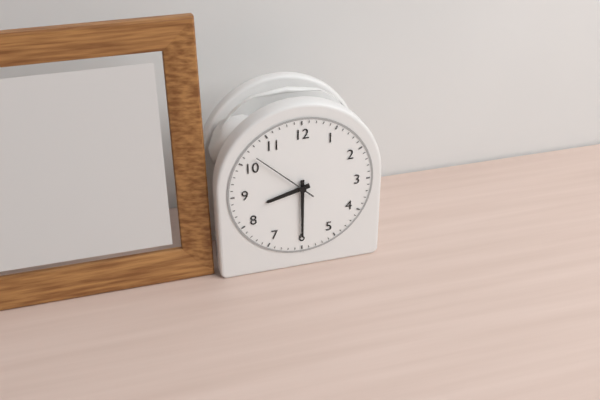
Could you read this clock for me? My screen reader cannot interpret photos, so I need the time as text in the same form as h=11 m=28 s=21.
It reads h=8 m=30 s=52
